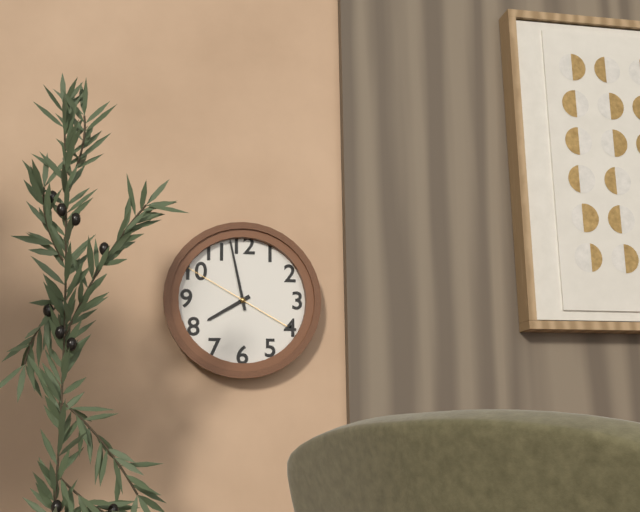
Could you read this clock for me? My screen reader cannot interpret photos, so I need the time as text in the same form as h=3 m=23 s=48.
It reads h=7 m=58 s=50
